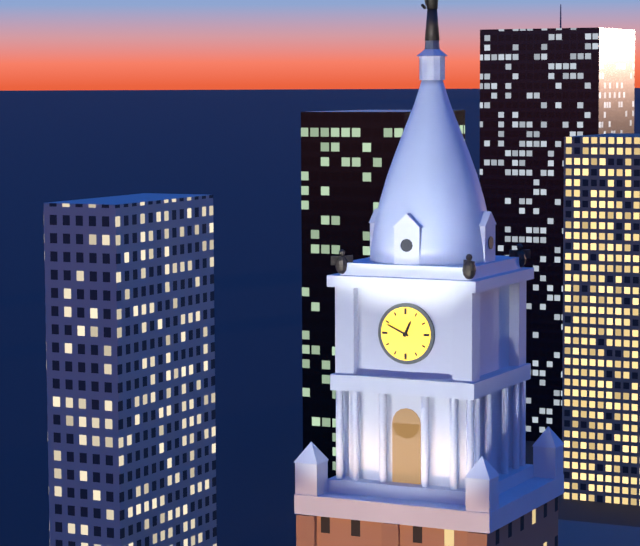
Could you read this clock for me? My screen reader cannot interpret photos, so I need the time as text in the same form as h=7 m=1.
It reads h=12 m=49
